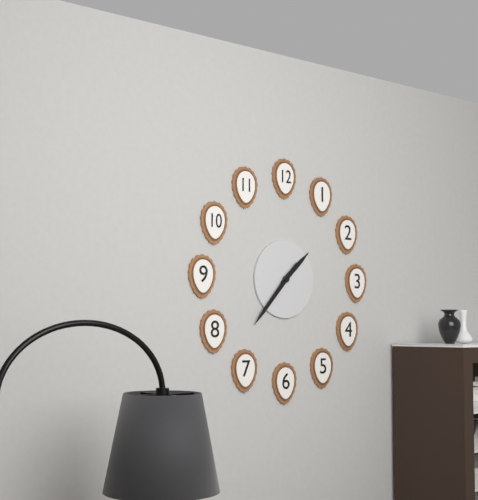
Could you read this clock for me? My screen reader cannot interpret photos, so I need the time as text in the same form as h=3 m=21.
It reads h=1 m=37
